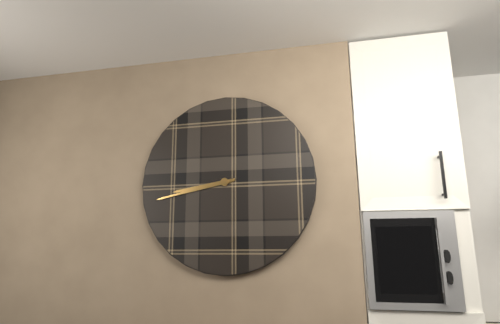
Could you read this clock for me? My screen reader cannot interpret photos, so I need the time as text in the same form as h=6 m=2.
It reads h=8 m=43
